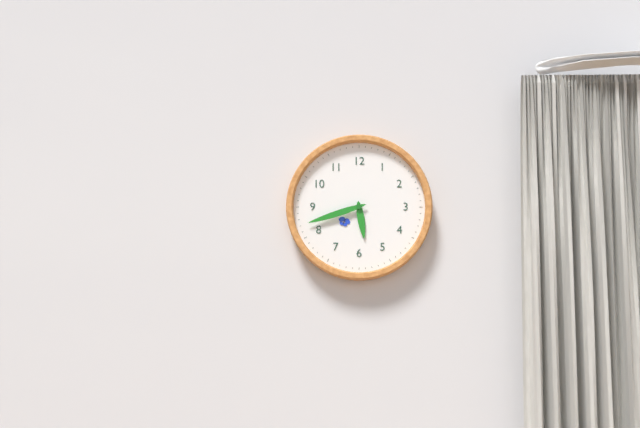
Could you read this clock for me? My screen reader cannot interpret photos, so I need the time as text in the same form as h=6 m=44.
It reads h=5 m=42
